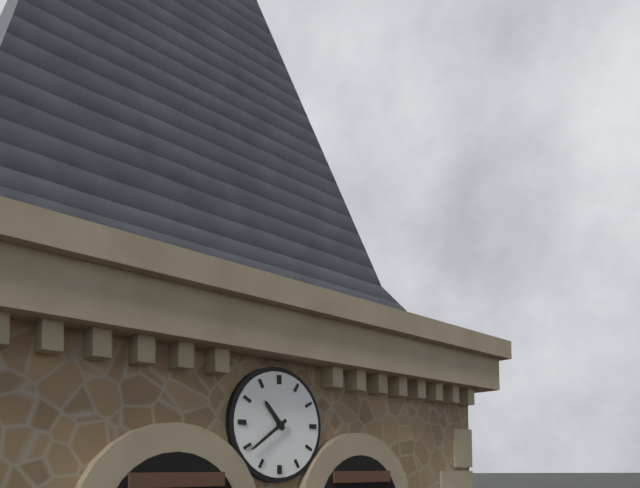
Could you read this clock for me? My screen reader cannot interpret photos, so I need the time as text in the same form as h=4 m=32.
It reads h=10 m=39
